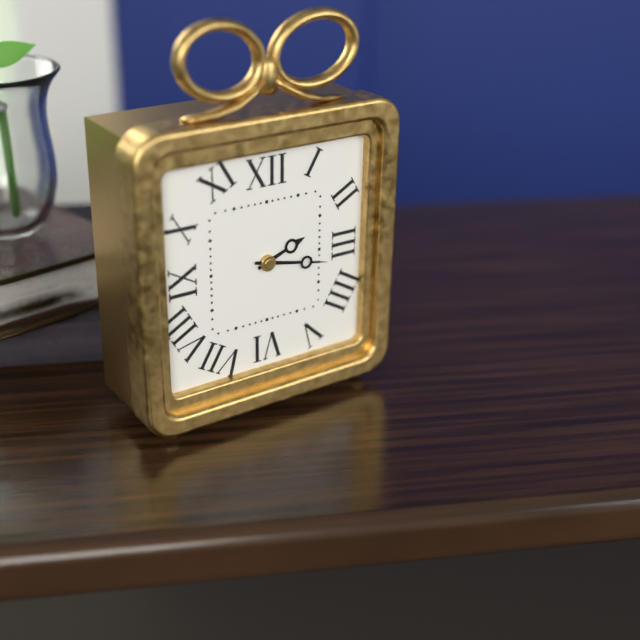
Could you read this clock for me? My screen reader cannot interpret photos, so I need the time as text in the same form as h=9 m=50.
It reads h=2 m=17
